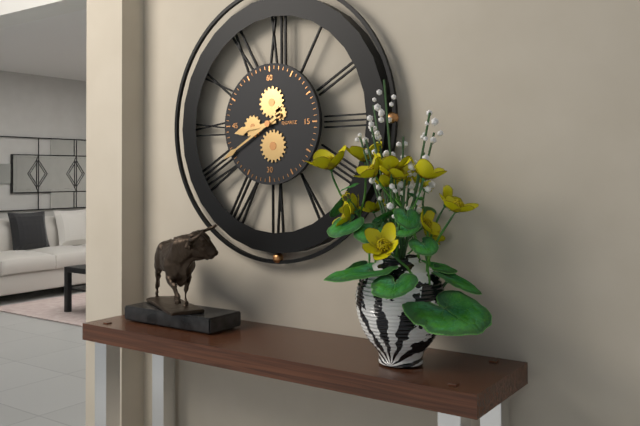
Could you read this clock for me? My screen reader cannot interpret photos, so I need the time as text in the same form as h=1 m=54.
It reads h=8 m=40
